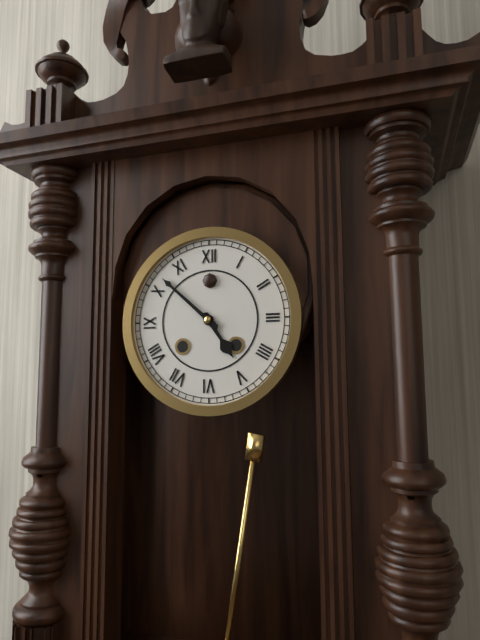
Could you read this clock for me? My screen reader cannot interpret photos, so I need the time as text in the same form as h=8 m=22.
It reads h=4 m=52
